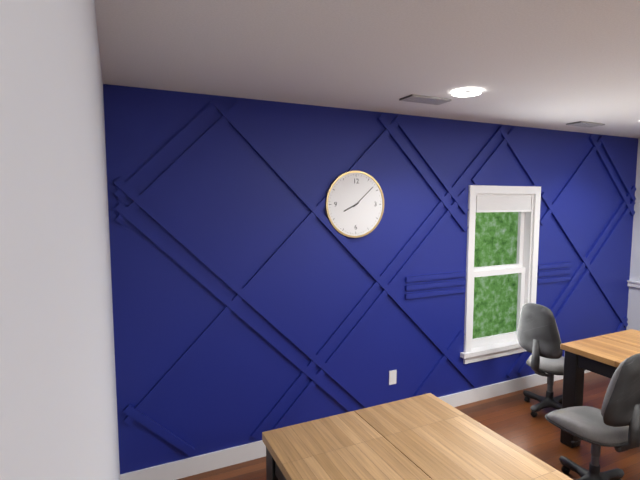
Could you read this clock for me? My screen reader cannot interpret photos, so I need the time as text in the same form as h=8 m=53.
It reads h=8 m=8
